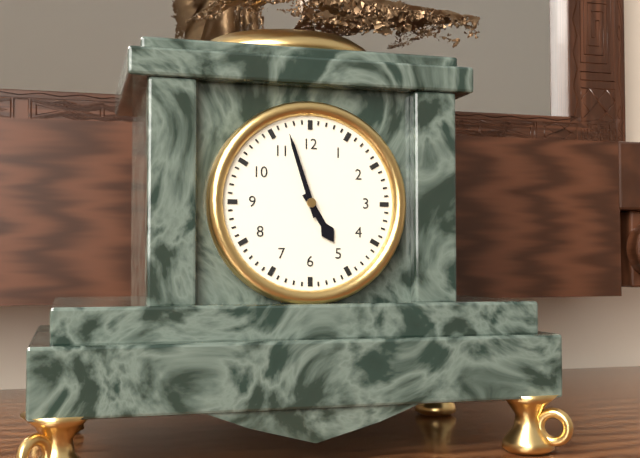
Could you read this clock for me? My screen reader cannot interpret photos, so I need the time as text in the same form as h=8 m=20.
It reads h=4 m=57
